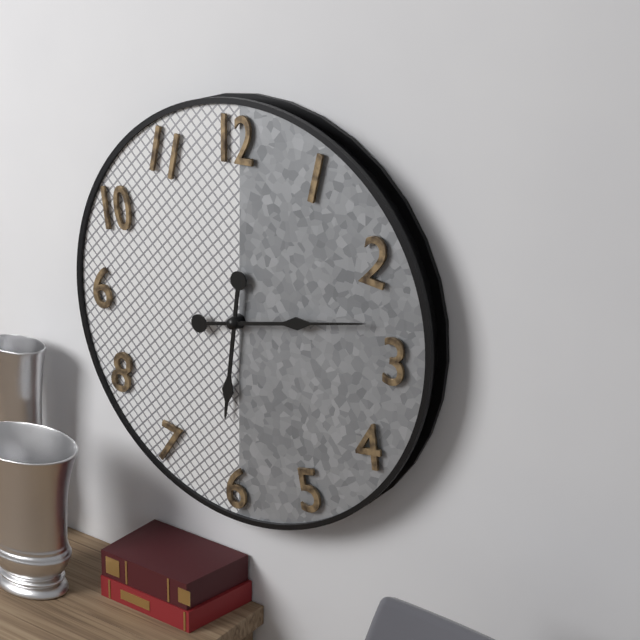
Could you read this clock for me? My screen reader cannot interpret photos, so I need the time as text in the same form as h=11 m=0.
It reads h=6 m=13
